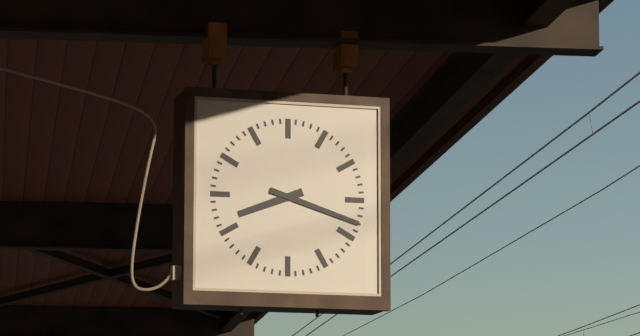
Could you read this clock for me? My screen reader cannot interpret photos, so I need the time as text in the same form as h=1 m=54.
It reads h=8 m=18
